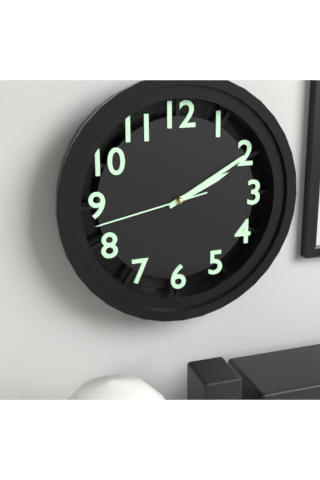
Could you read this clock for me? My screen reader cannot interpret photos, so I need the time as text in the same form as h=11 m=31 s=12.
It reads h=2 m=10 s=43
